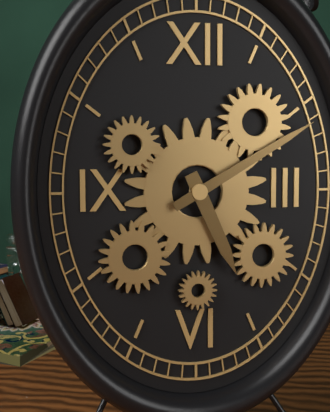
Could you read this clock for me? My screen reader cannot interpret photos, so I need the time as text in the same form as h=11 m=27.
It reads h=5 m=10
